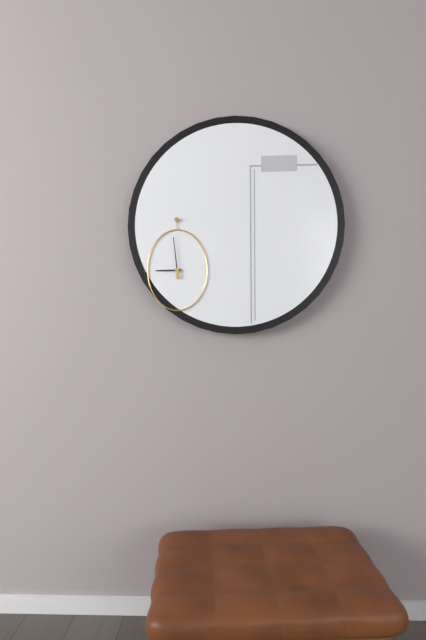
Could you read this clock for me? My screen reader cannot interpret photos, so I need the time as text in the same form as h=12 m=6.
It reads h=8 m=59
